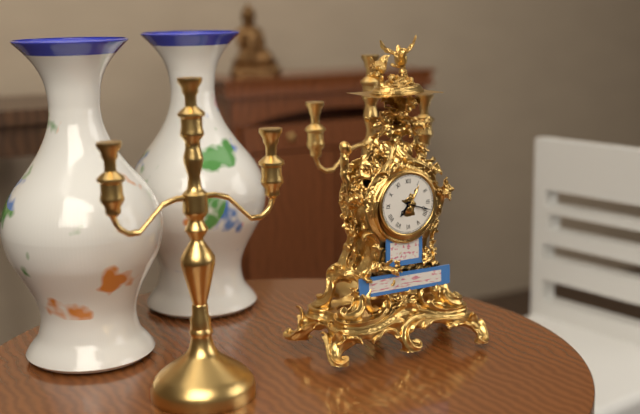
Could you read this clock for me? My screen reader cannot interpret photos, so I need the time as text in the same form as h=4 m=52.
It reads h=7 m=18
